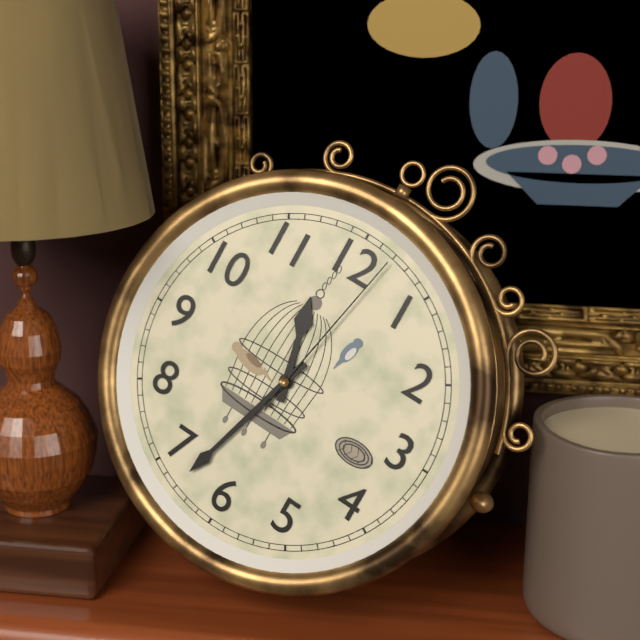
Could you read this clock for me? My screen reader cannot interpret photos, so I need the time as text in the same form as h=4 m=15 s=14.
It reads h=11 m=33 s=2
